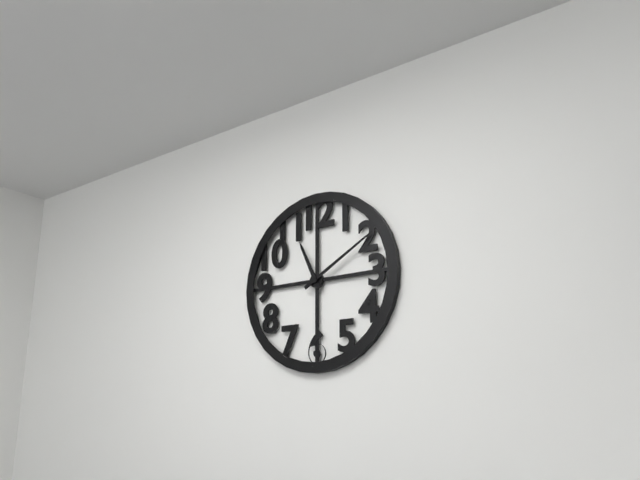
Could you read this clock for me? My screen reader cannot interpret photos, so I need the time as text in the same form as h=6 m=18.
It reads h=11 m=10
